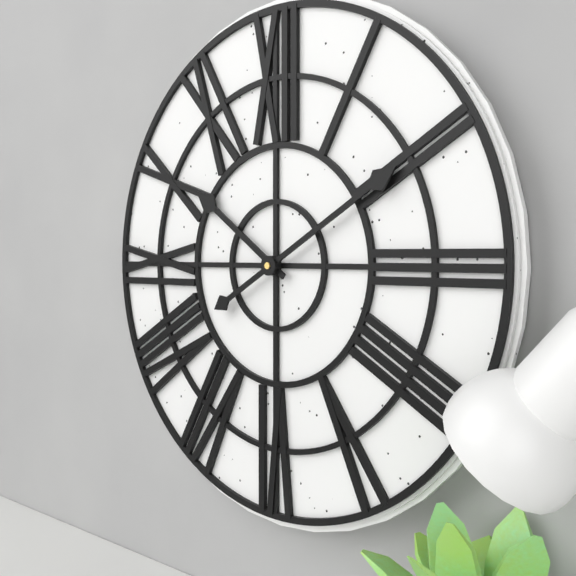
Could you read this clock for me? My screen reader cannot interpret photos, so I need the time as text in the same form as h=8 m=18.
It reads h=10 m=10
